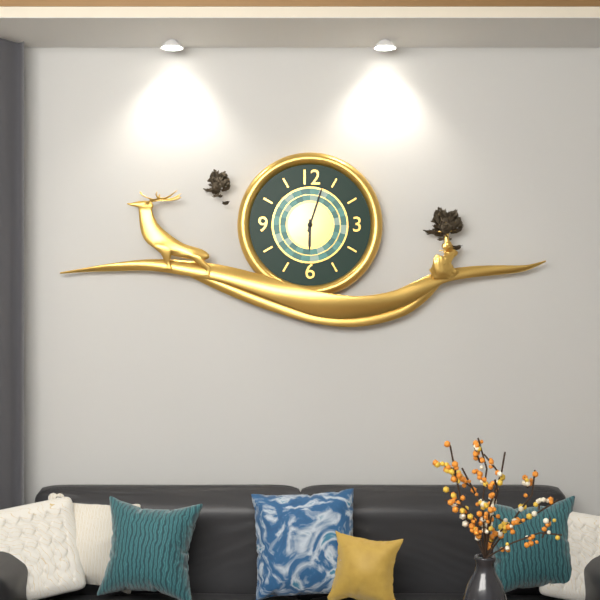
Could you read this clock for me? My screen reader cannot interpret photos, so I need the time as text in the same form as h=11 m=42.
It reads h=6 m=3
